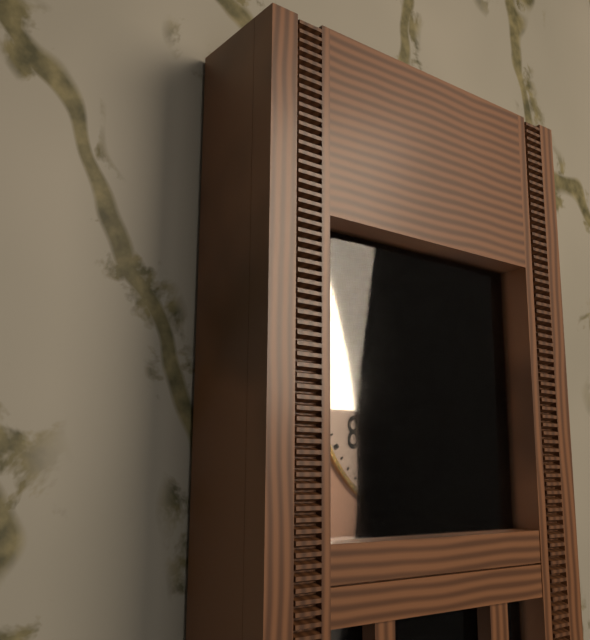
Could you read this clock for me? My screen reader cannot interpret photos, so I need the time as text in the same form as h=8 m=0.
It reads h=9 m=15
